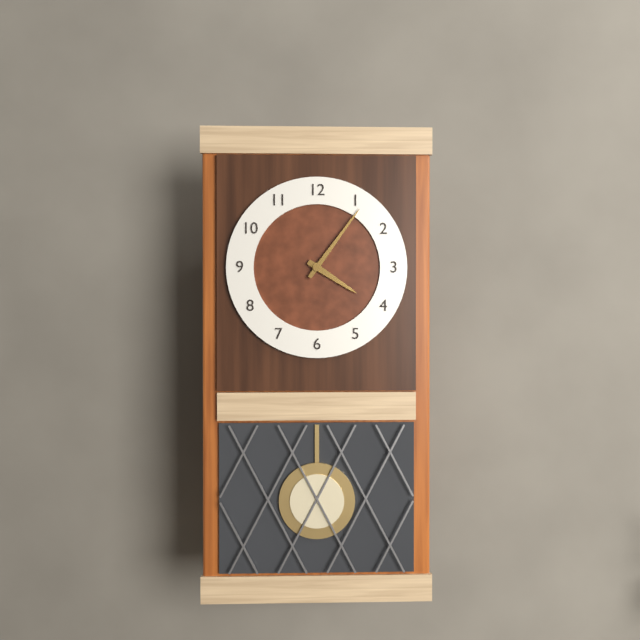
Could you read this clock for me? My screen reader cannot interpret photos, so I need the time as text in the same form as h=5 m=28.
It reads h=4 m=6
